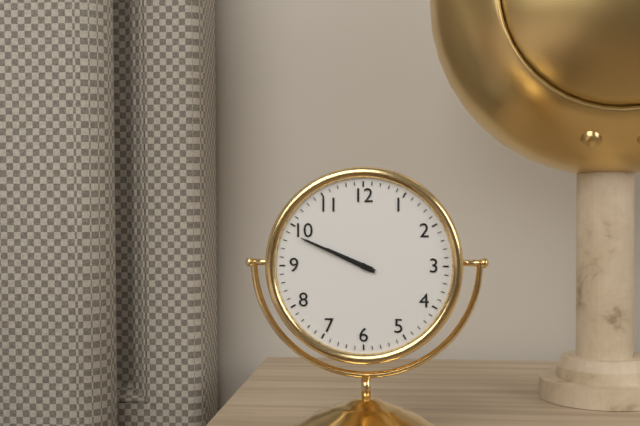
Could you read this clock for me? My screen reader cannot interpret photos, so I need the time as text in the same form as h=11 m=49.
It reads h=9 m=49
